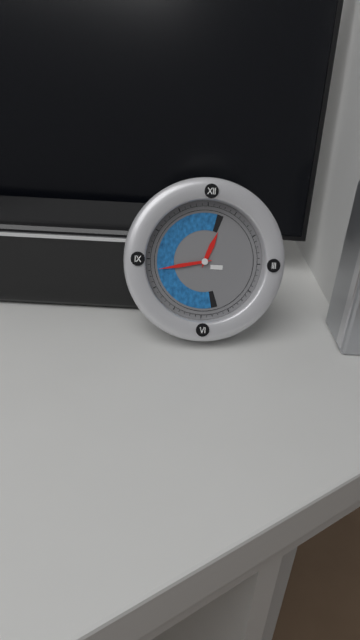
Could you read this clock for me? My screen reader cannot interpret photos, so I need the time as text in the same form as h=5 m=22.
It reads h=12 m=43
